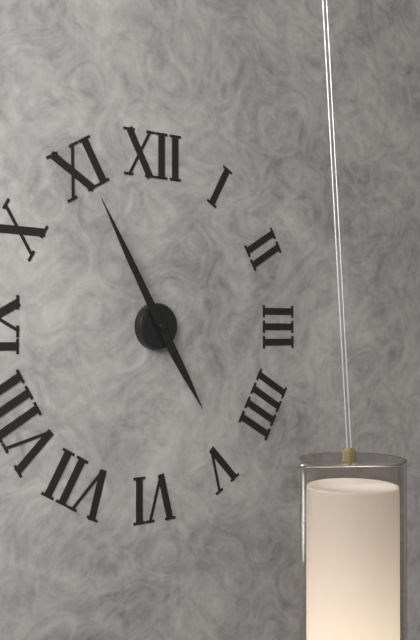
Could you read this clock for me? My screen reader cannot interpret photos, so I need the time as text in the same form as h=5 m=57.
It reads h=4 m=55
